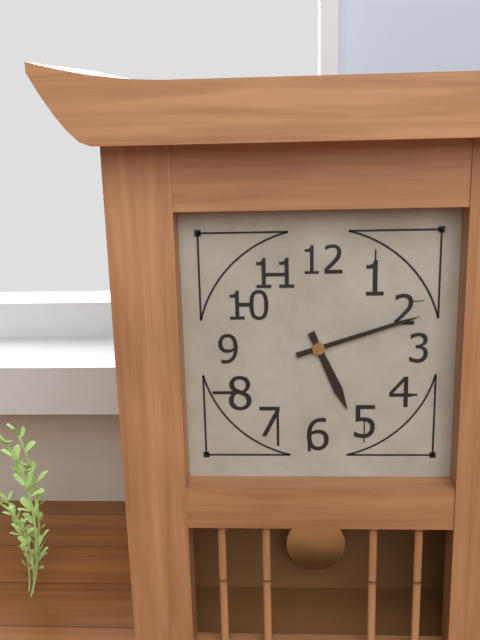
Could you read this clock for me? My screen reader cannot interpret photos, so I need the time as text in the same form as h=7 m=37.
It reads h=5 m=12
